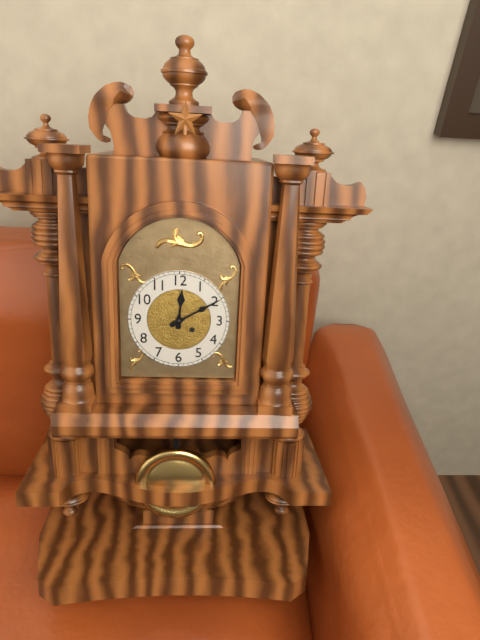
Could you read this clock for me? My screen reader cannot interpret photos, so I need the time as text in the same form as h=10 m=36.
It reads h=12 m=10
